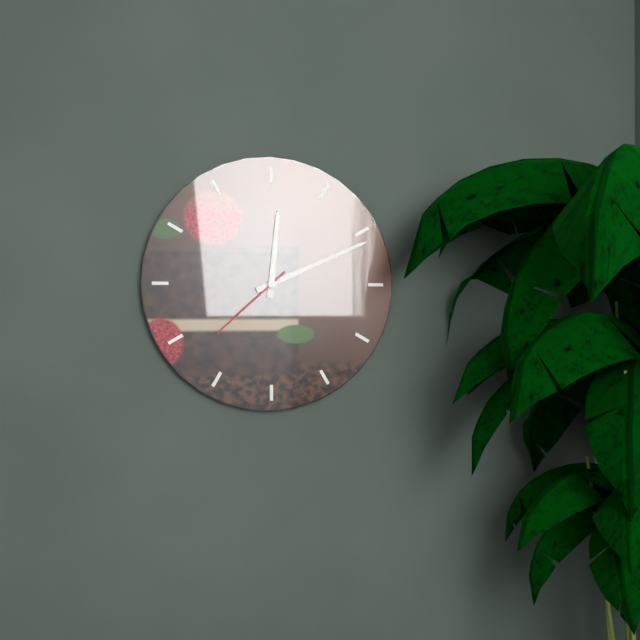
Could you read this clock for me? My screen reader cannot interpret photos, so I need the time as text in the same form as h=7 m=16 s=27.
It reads h=12 m=11 s=38
